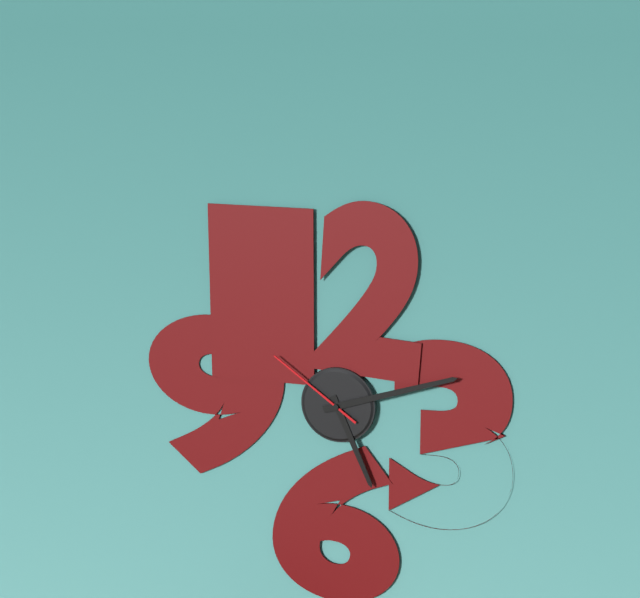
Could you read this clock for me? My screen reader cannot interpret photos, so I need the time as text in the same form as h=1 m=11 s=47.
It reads h=5 m=12 s=51
